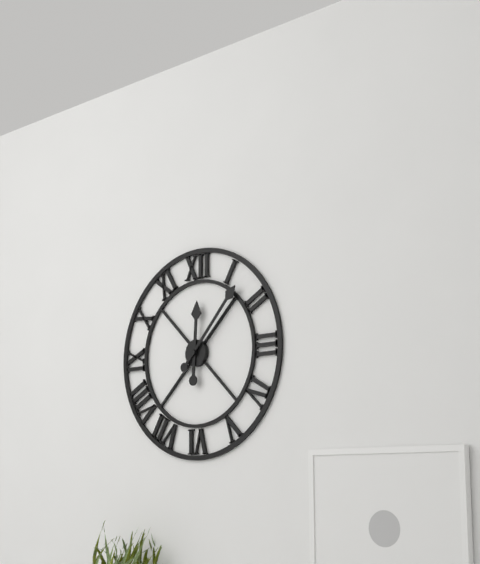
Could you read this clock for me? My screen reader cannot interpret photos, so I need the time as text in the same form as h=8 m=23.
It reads h=12 m=7
